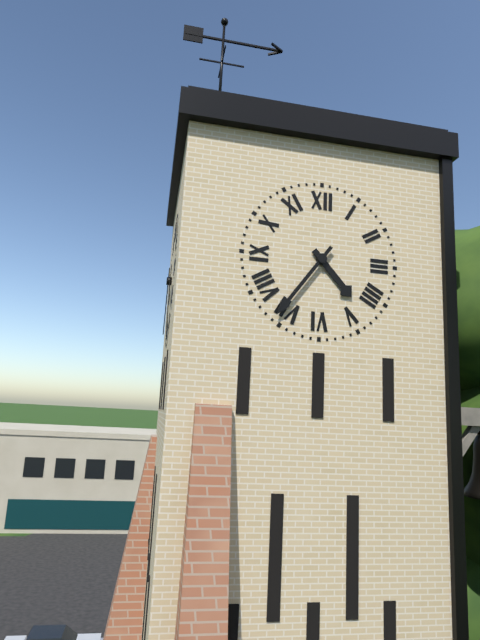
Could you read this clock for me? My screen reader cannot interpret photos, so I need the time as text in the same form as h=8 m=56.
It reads h=4 m=36
